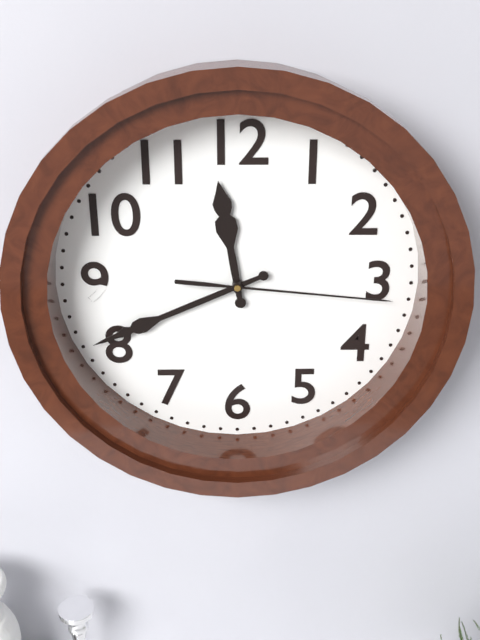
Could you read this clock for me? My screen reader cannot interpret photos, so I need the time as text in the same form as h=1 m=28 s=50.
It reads h=11 m=41 s=16
